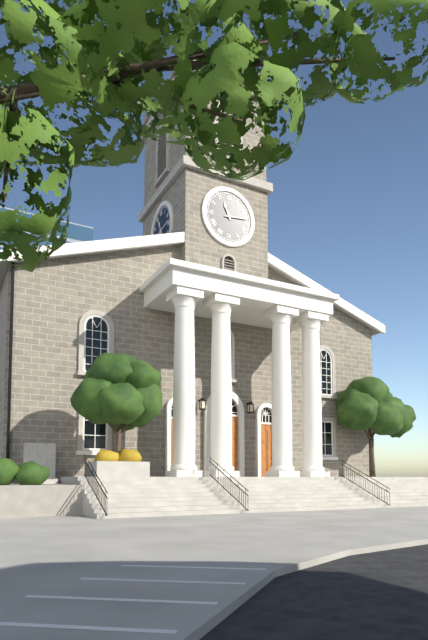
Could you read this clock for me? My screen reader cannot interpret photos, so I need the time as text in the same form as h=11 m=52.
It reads h=11 m=14
